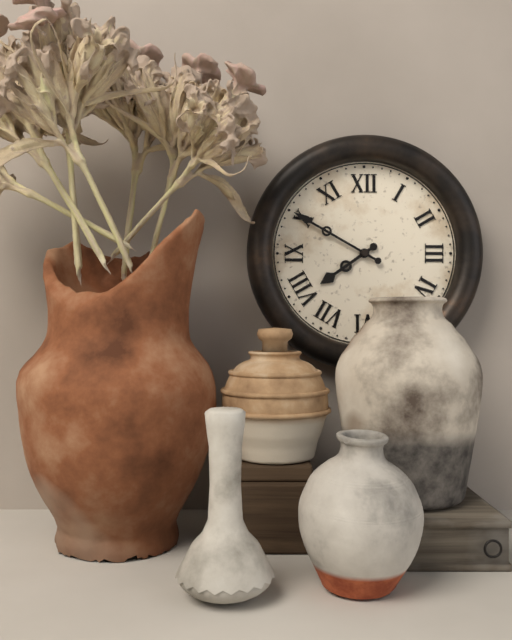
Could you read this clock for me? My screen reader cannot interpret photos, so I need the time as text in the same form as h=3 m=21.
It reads h=7 m=50
